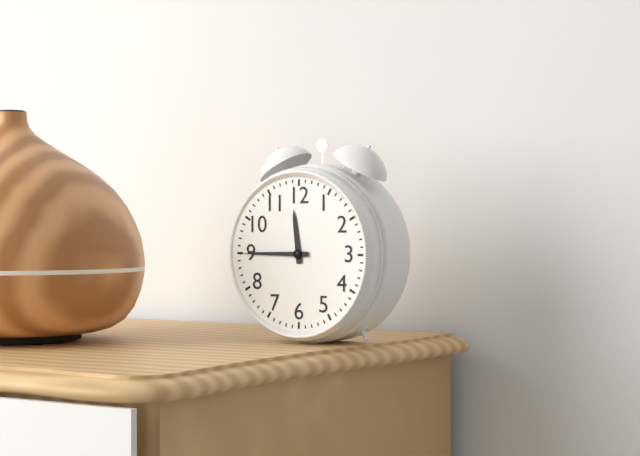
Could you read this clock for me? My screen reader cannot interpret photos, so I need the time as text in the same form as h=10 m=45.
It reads h=11 m=45
